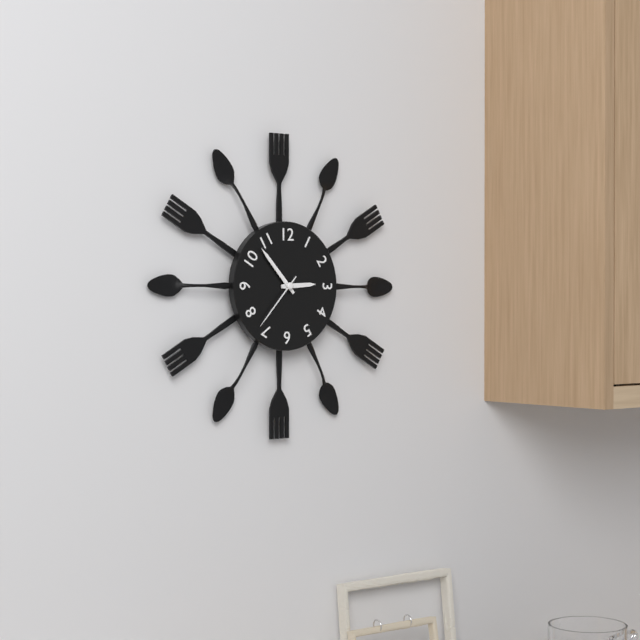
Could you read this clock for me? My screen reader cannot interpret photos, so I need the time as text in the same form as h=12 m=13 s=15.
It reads h=2 m=53 s=37
